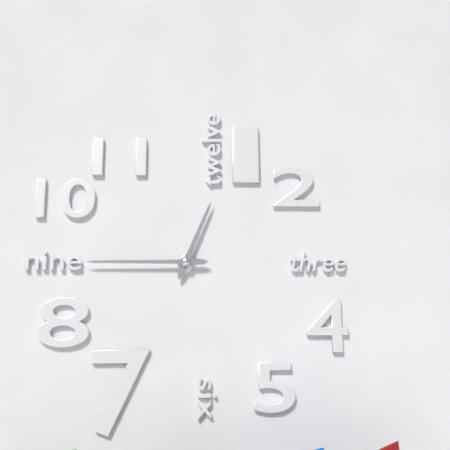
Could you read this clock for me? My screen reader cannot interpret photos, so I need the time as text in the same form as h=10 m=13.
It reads h=12 m=45
